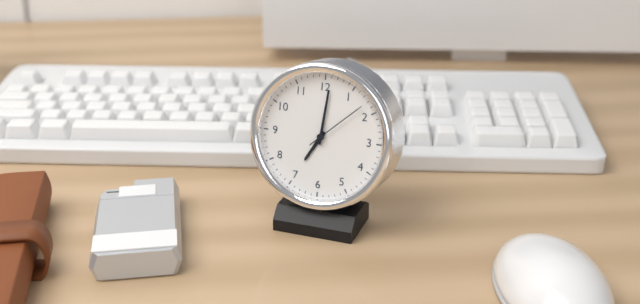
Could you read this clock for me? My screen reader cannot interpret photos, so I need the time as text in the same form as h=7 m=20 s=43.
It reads h=7 m=1 s=8
